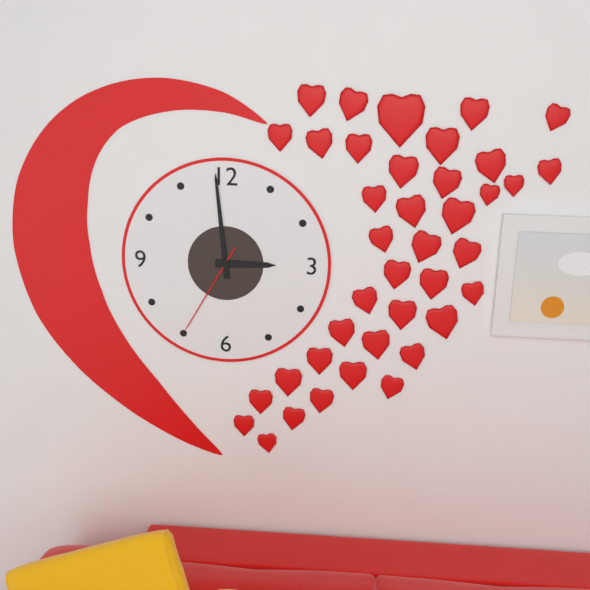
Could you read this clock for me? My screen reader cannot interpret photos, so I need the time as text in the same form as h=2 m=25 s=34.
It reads h=2 m=59 s=35
